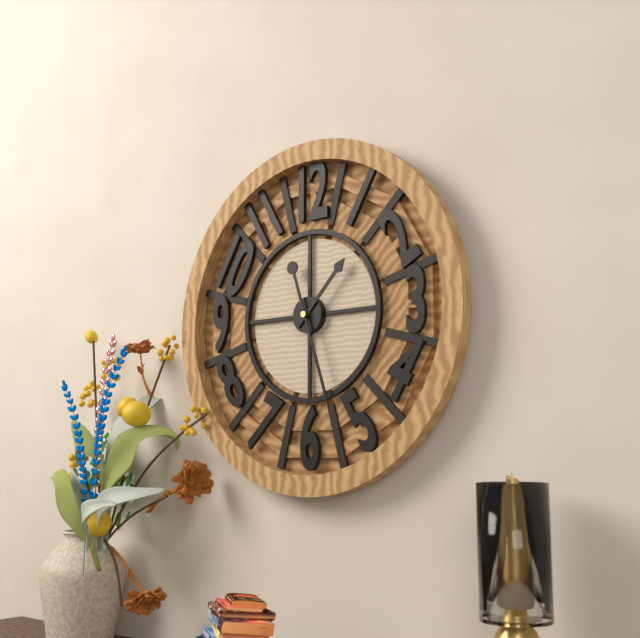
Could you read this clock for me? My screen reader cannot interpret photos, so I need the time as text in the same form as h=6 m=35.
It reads h=1 m=27
